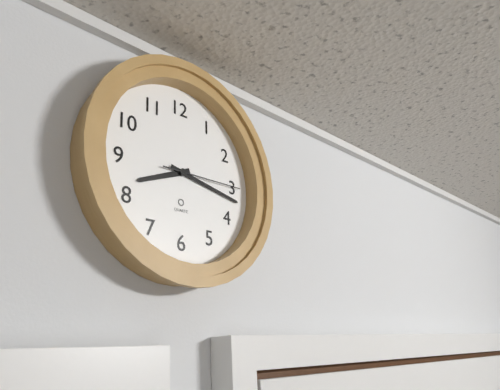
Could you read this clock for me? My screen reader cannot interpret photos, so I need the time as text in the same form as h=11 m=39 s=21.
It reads h=8 m=17 s=15
